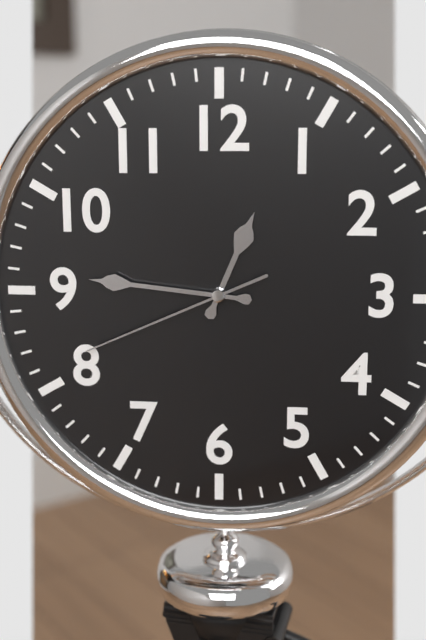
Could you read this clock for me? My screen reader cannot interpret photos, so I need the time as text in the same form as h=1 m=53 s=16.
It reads h=12 m=46 s=41
